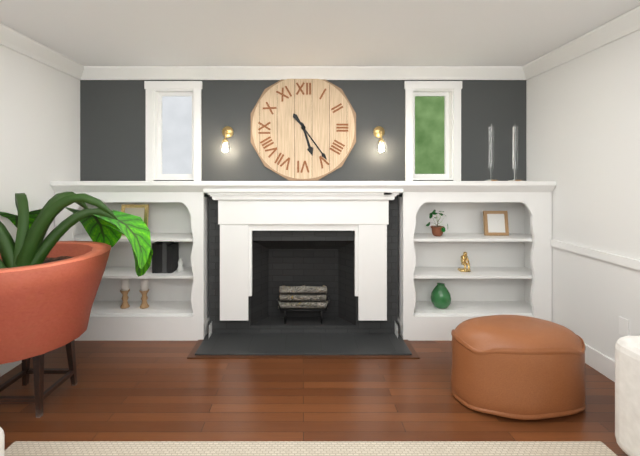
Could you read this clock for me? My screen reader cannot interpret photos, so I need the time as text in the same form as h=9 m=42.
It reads h=5 m=24
